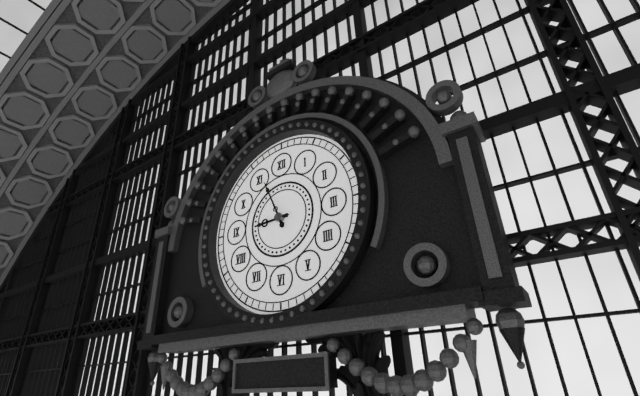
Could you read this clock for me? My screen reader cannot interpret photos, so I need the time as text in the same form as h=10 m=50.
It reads h=8 m=56
